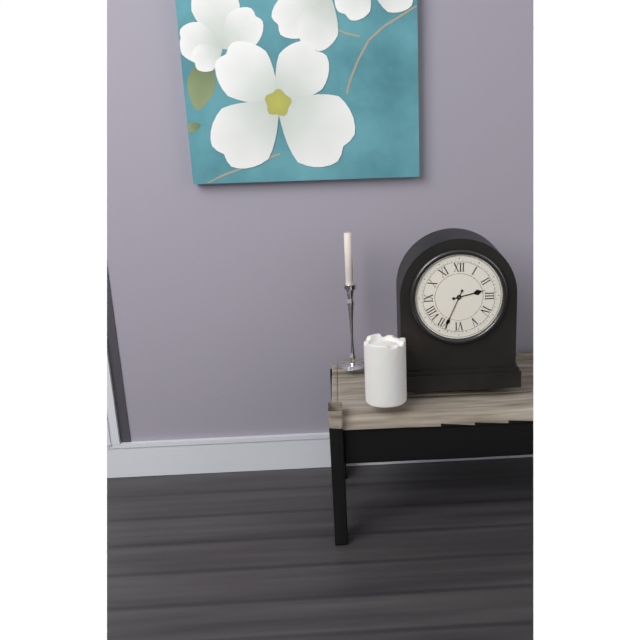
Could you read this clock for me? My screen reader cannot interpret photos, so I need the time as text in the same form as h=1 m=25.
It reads h=2 m=34
